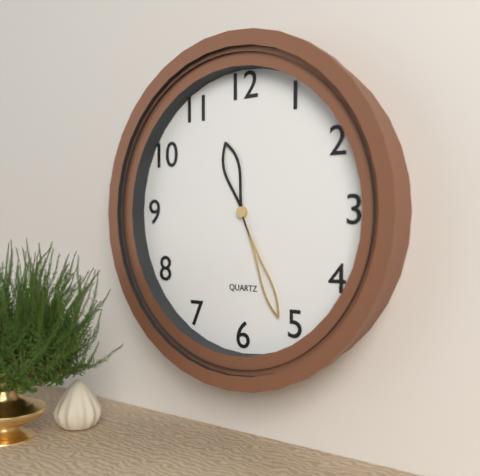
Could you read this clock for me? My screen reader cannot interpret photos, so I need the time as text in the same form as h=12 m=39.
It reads h=11 m=26
